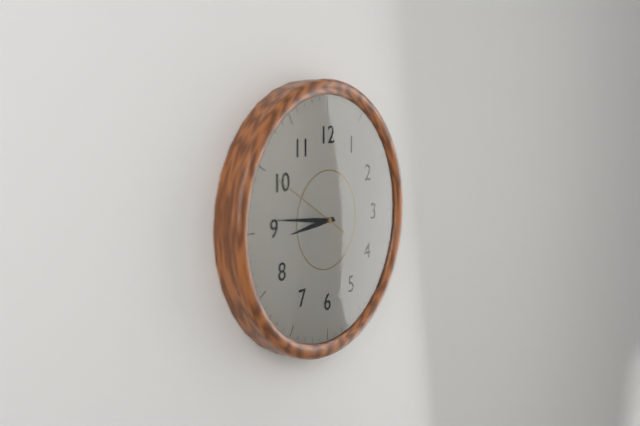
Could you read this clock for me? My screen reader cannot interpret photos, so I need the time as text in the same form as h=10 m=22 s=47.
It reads h=8 m=46 s=50
